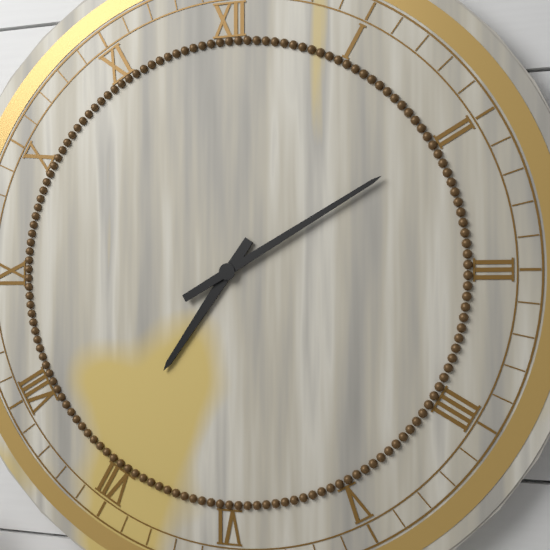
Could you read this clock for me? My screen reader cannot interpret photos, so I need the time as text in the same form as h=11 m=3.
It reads h=7 m=10
